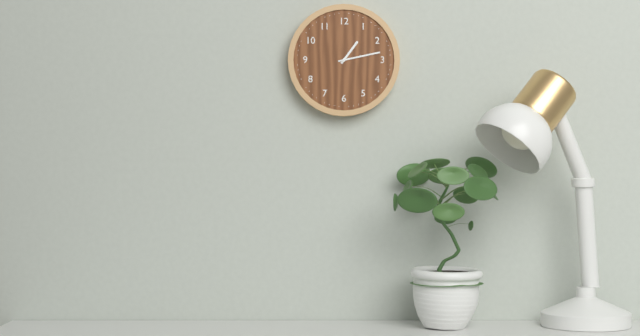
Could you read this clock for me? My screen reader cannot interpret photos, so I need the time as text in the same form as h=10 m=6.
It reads h=1 m=13
